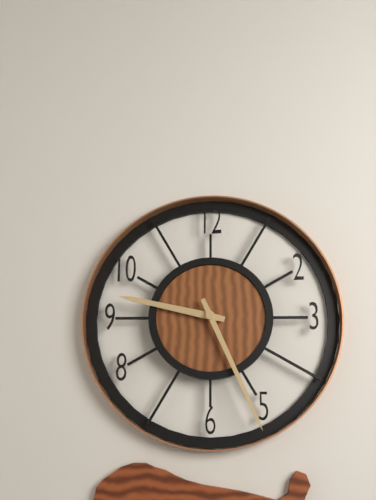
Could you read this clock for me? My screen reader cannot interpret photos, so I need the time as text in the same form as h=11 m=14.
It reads h=9 m=26
